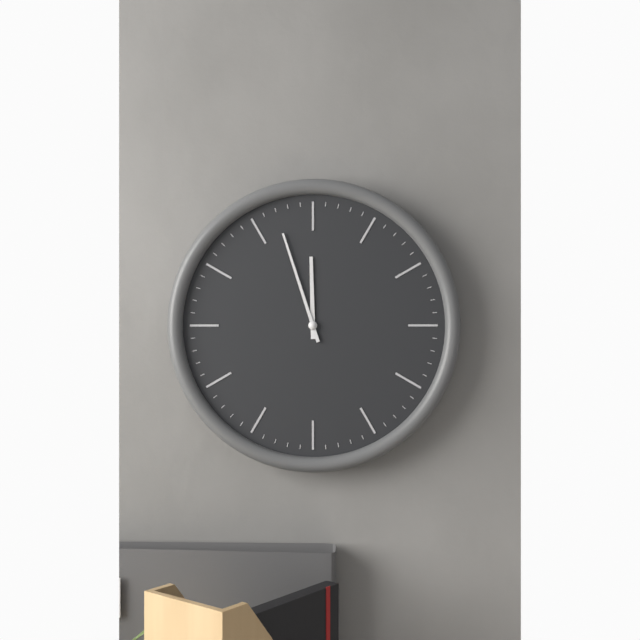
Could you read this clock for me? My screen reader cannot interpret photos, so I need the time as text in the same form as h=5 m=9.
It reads h=11 m=57
